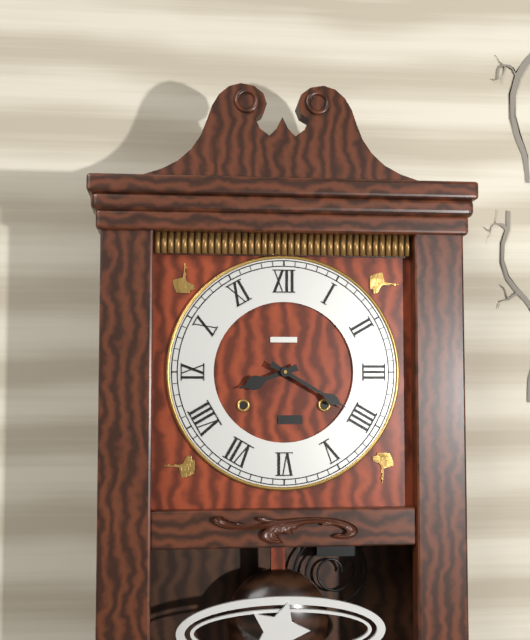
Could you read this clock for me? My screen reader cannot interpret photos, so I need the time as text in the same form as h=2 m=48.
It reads h=8 m=20
